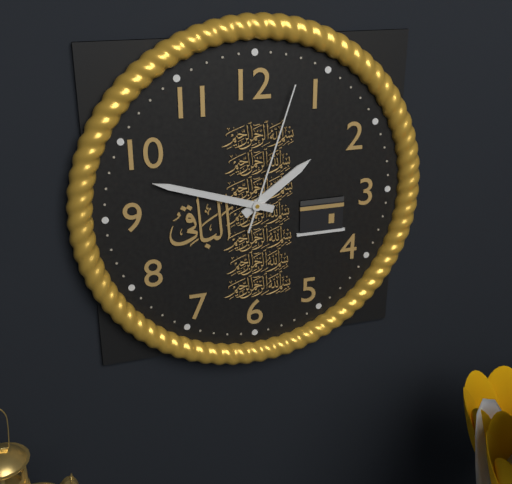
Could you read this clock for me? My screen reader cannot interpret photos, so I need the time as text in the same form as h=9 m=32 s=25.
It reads h=1 m=48 s=3
